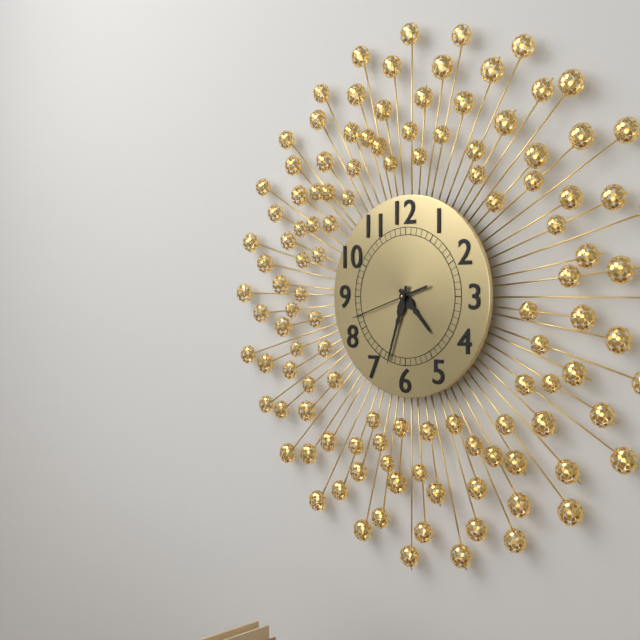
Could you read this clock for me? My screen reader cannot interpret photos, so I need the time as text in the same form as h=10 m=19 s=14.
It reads h=4 m=33 s=42
